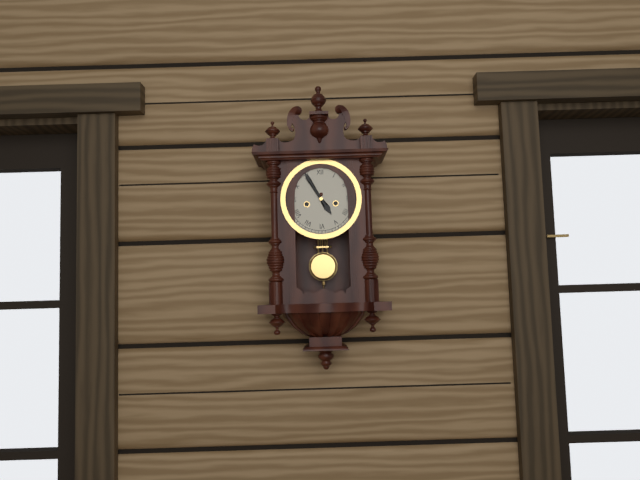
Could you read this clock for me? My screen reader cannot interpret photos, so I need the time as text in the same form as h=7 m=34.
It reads h=4 m=55
